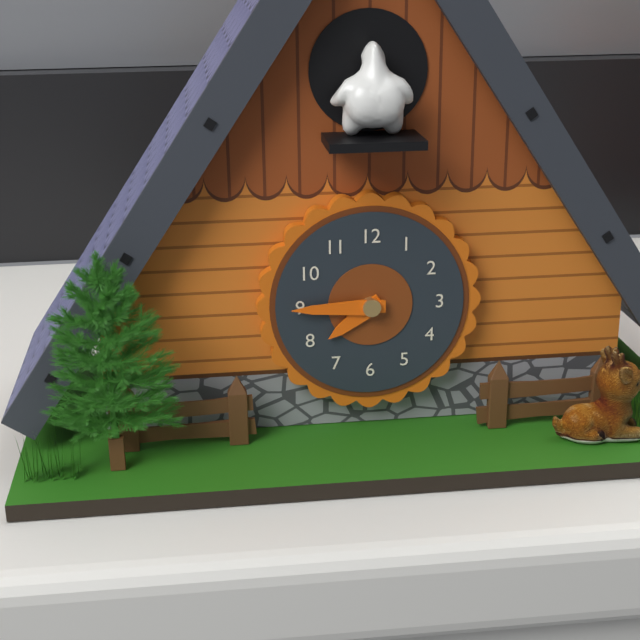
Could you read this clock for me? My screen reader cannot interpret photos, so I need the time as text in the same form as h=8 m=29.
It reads h=7 m=45
